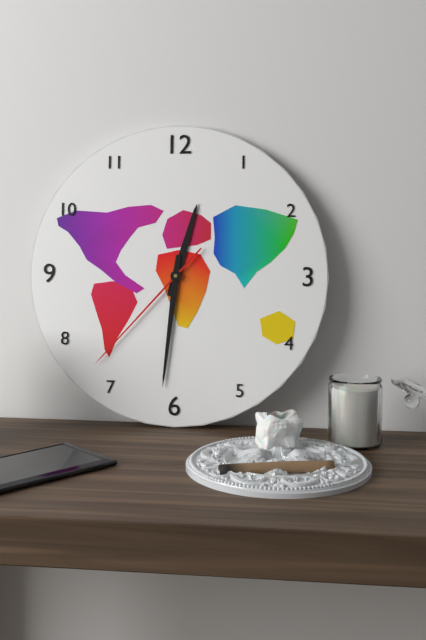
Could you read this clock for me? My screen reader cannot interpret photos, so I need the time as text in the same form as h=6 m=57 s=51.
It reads h=12 m=31 s=37
